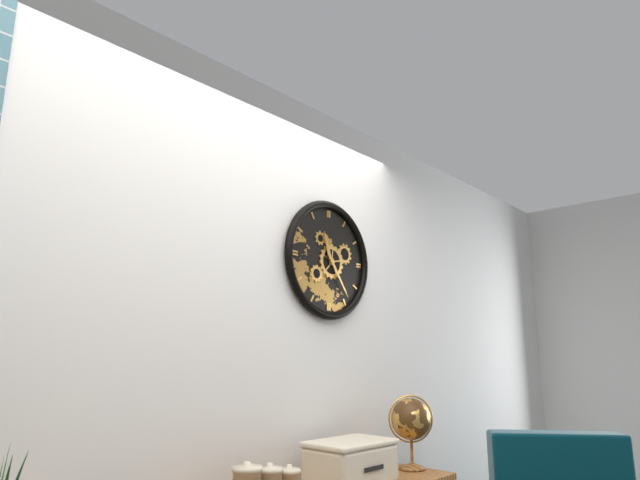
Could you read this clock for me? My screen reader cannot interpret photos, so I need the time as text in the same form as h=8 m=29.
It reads h=11 m=24
